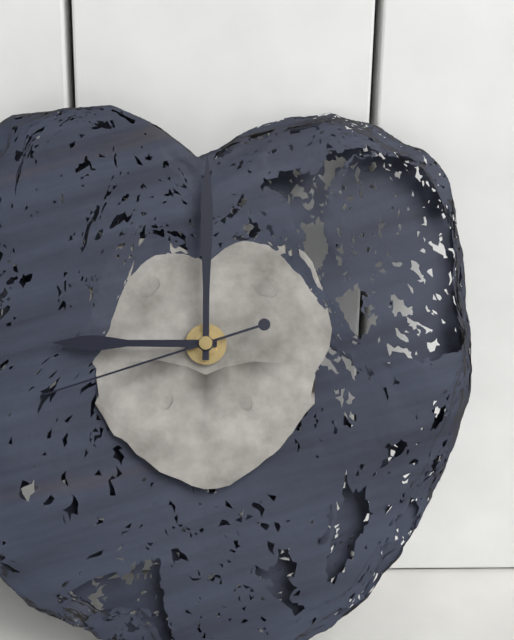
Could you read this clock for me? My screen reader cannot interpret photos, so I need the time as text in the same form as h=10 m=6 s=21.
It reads h=9 m=0 s=42
